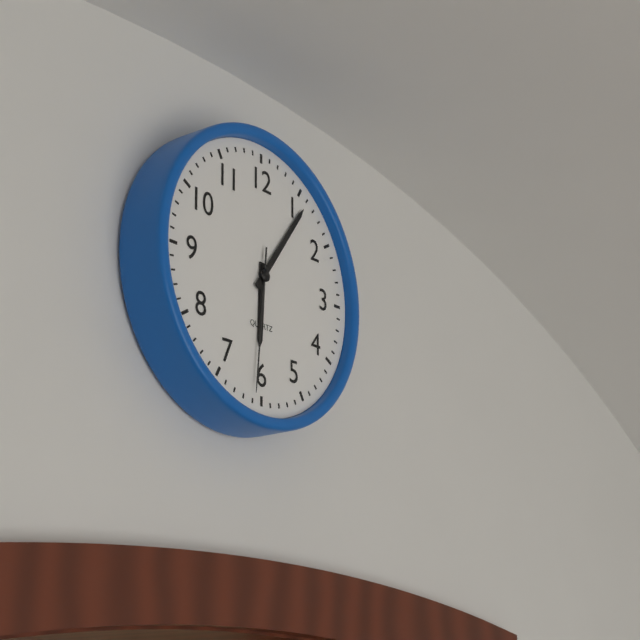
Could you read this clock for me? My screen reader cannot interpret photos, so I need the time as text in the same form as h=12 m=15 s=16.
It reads h=6 m=6 s=31
